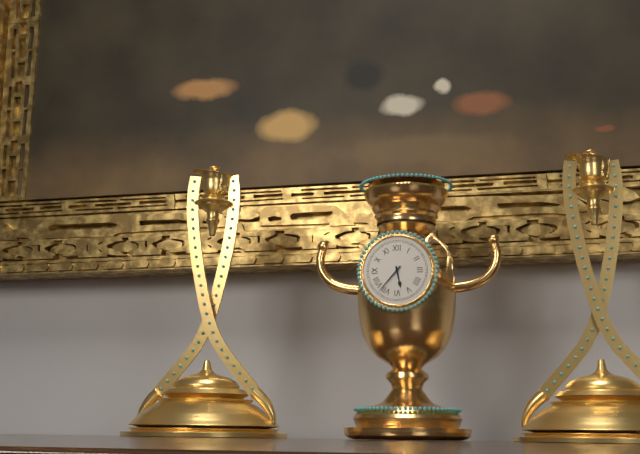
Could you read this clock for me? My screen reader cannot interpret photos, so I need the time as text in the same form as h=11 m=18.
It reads h=5 m=37
